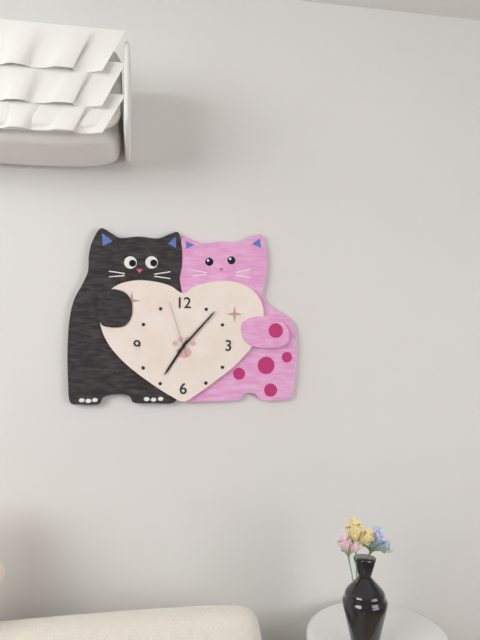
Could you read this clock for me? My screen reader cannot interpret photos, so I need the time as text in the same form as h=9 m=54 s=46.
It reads h=7 m=7 s=57
